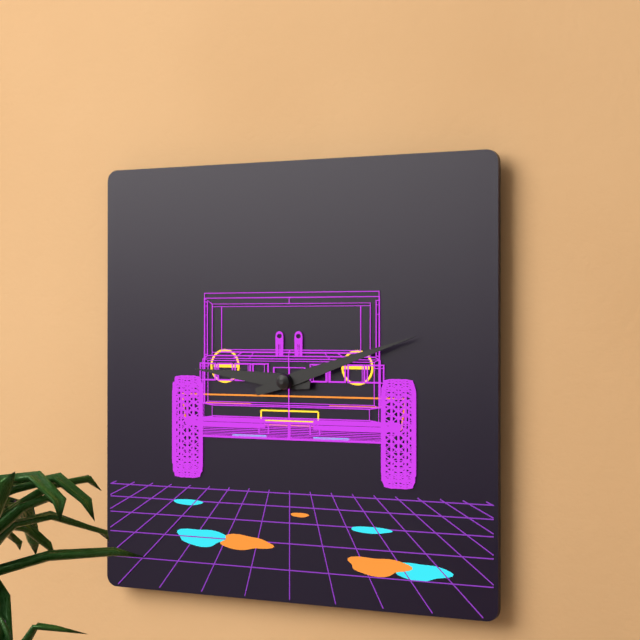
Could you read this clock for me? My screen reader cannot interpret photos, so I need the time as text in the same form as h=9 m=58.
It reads h=9 m=12
